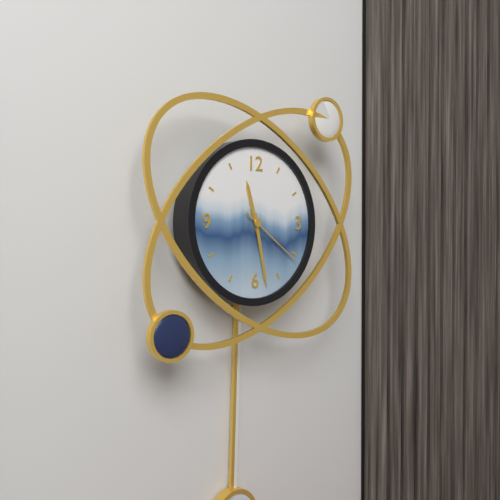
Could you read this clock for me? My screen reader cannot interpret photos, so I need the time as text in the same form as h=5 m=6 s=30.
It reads h=11 m=28 s=21
